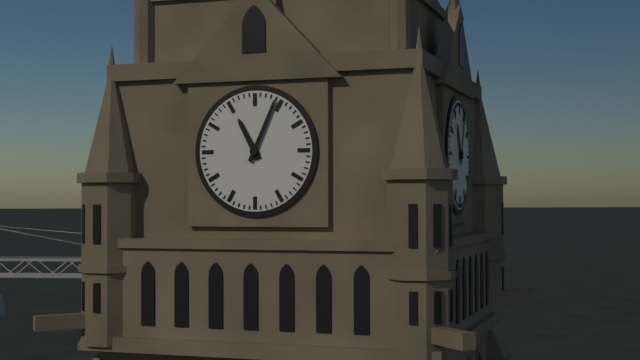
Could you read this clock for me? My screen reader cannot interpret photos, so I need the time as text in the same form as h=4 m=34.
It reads h=11 m=4
